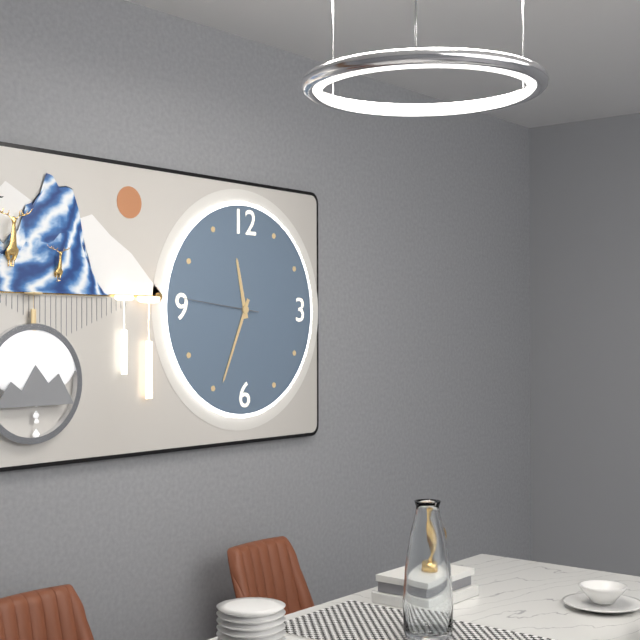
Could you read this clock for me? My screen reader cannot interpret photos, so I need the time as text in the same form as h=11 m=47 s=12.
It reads h=11 m=34 s=46
